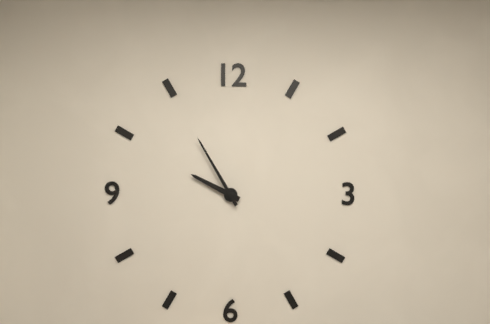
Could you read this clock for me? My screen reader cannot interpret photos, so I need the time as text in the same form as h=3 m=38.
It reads h=9 m=55
